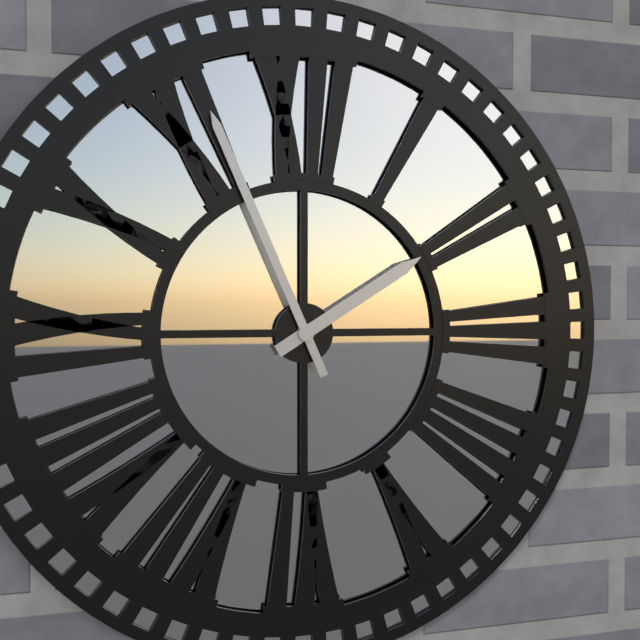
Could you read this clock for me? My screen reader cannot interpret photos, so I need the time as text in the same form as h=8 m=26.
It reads h=1 m=56
